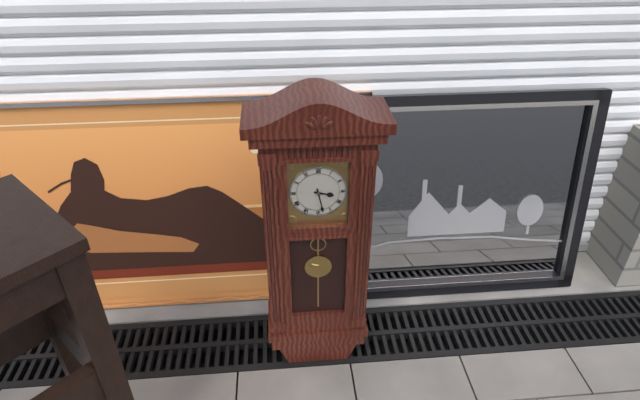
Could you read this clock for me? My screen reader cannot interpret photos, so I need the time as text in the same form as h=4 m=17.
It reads h=3 m=28
